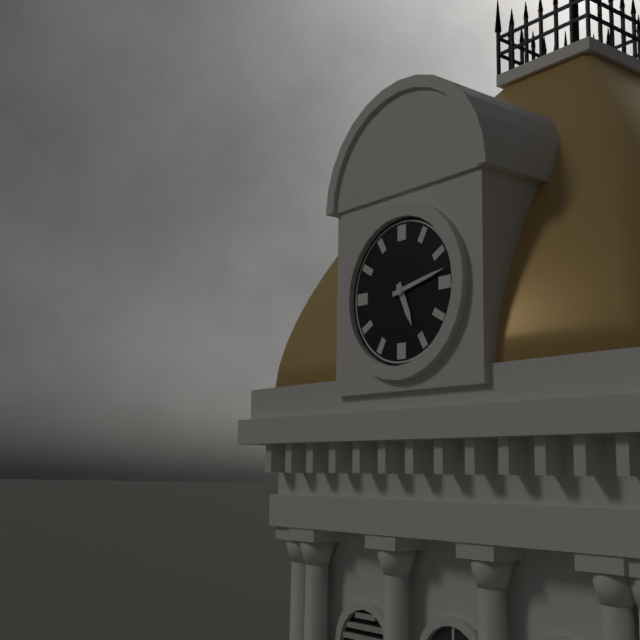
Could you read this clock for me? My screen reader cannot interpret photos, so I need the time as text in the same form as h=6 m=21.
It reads h=5 m=13
